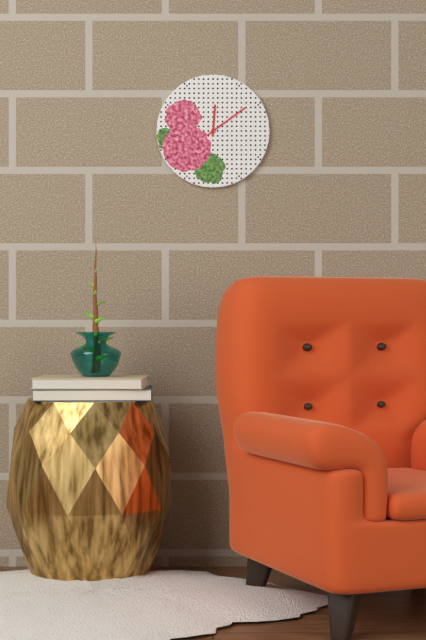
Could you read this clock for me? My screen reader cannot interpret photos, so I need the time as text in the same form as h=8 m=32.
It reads h=12 m=9
